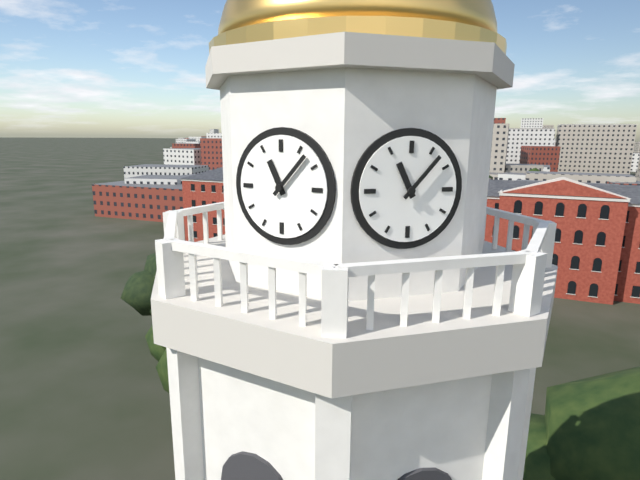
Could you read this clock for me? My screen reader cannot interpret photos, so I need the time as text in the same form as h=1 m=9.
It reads h=11 m=7
